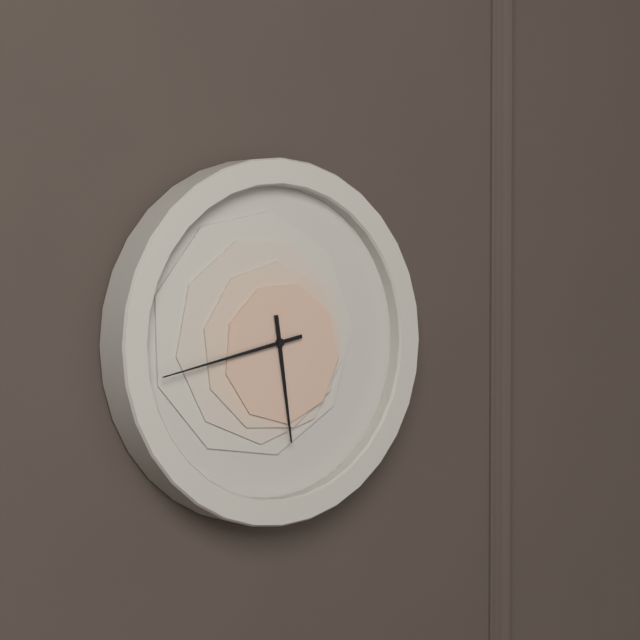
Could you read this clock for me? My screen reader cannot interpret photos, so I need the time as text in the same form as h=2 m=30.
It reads h=5 m=43
